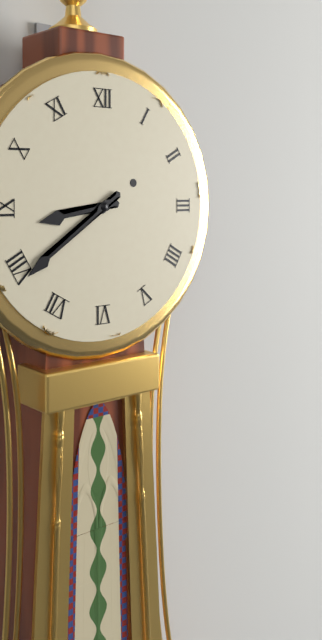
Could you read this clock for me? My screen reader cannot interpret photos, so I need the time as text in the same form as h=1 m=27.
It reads h=8 m=39
